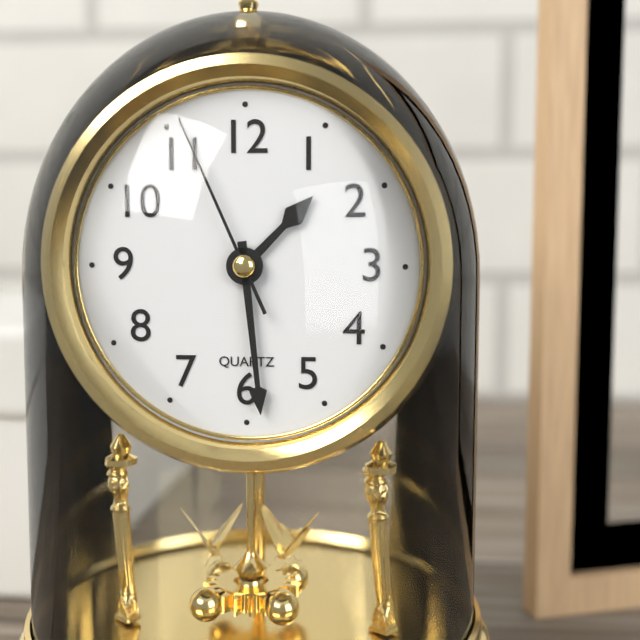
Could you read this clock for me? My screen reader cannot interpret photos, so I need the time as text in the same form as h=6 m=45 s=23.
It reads h=1 m=29 s=56
